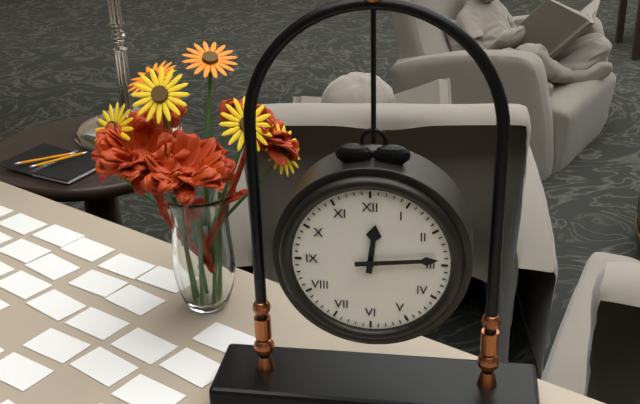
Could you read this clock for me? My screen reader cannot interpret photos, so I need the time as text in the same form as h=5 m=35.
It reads h=12 m=14
